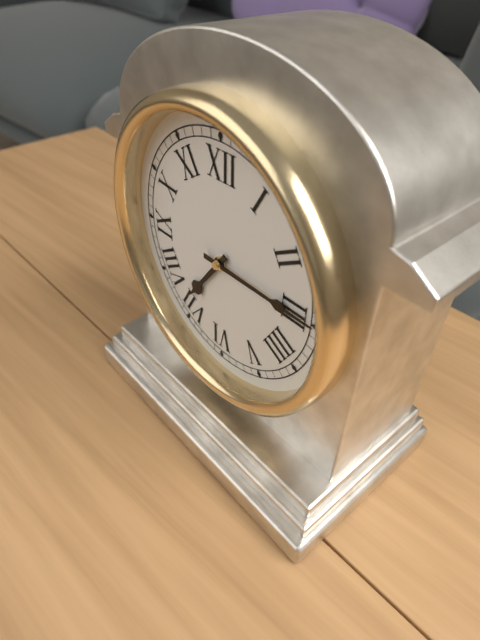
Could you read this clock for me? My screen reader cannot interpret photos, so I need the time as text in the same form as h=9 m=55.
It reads h=7 m=15
